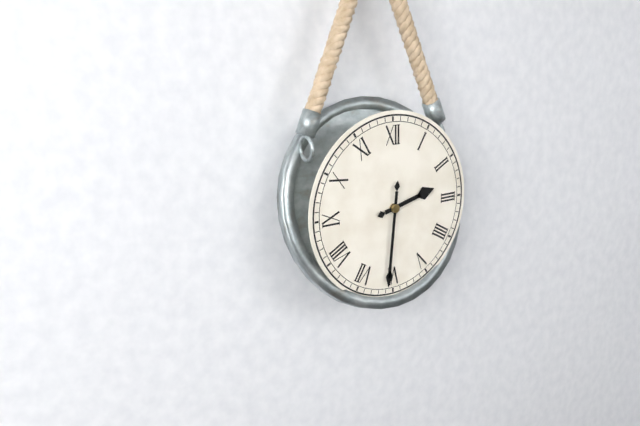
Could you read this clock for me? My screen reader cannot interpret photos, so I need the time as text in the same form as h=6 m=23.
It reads h=2 m=31
